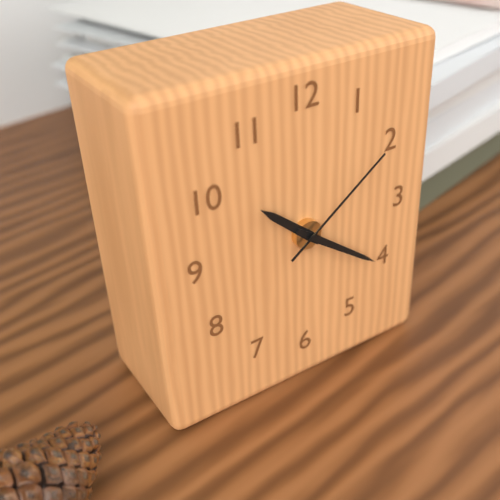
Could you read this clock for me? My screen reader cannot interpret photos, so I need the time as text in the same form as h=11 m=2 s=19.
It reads h=10 m=21 s=9
